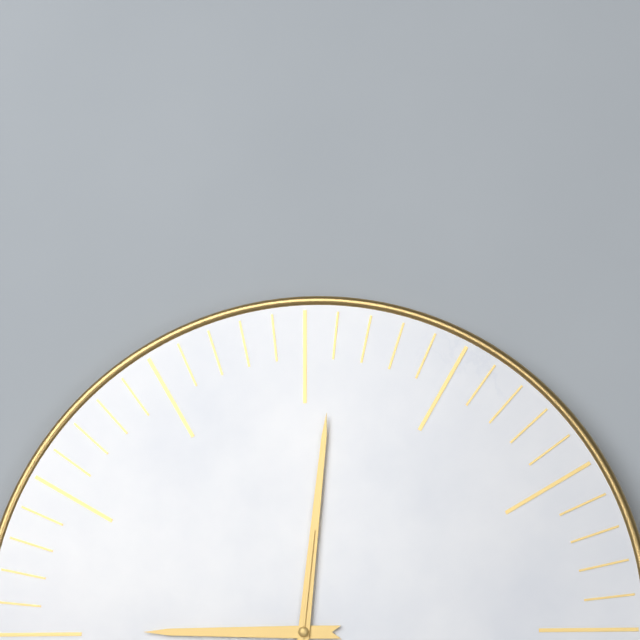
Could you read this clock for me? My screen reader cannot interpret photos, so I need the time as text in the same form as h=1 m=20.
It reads h=9 m=1
